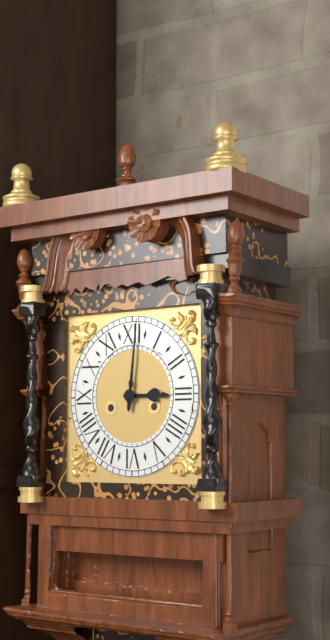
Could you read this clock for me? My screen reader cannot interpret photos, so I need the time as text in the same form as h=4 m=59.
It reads h=3 m=1
